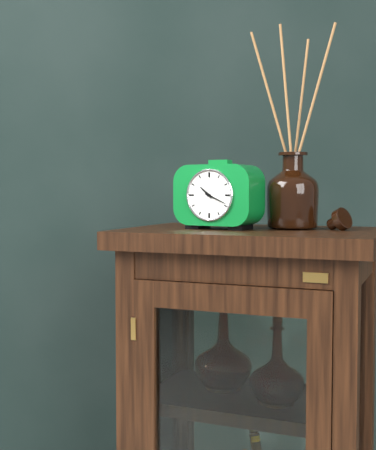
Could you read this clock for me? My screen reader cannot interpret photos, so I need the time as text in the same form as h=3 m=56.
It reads h=10 m=19
